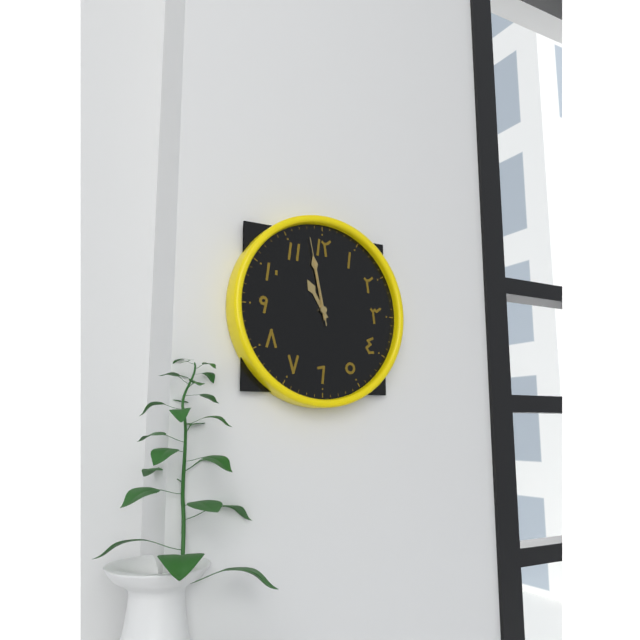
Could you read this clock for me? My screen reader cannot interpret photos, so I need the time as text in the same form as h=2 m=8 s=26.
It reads h=10 m=58 s=58
